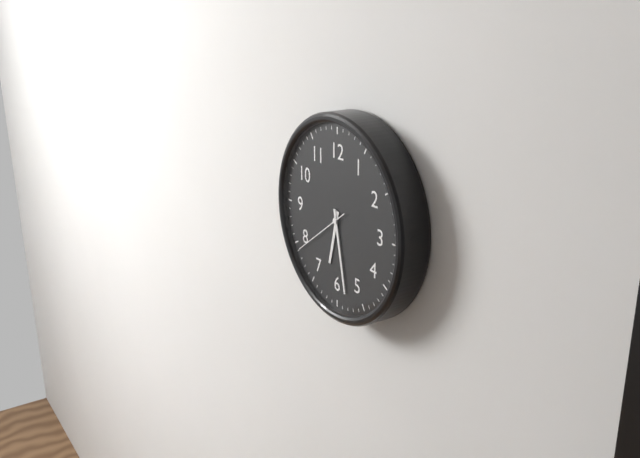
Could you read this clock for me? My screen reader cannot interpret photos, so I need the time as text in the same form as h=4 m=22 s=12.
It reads h=6 m=28 s=39
